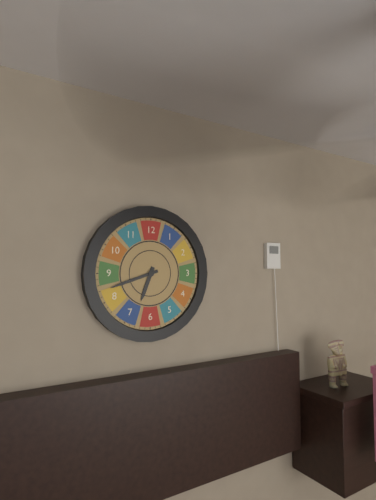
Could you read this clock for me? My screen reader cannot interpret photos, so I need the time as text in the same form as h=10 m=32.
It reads h=6 m=42
